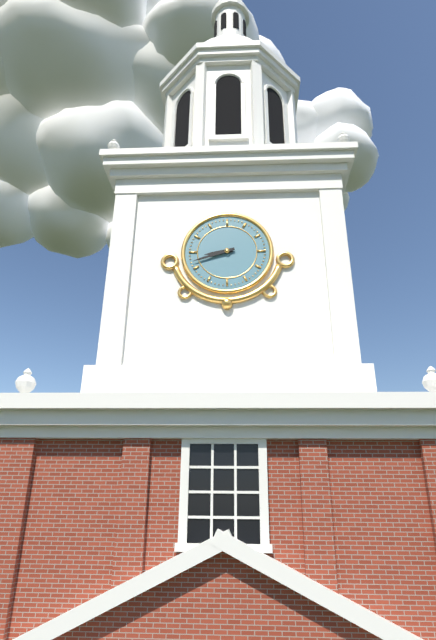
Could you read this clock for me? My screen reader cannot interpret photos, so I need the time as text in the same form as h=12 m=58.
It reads h=8 m=42
